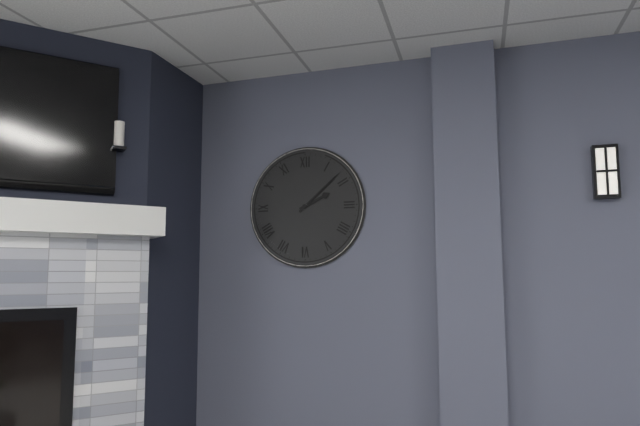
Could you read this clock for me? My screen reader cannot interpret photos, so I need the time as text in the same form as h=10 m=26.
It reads h=2 m=8
